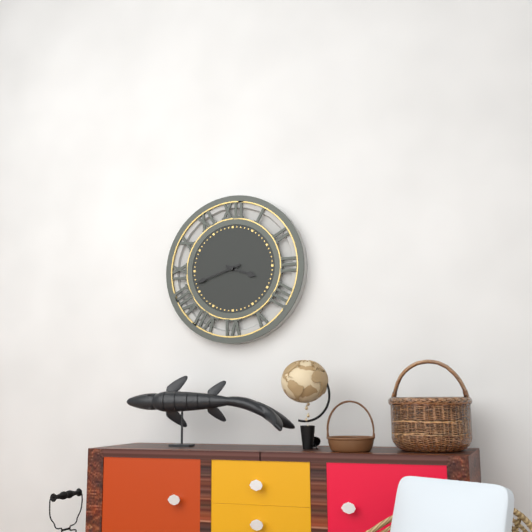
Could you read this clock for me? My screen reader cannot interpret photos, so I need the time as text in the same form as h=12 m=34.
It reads h=3 m=42
